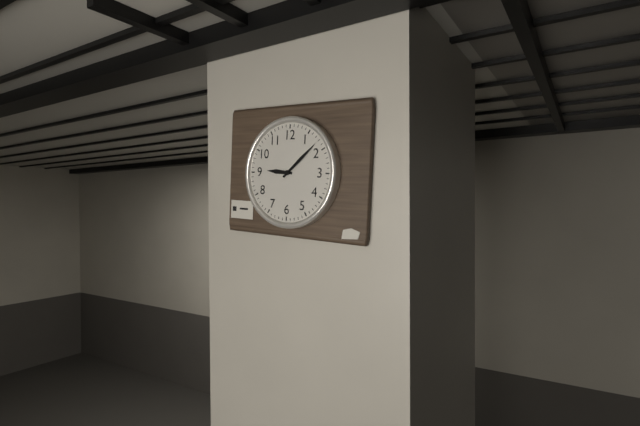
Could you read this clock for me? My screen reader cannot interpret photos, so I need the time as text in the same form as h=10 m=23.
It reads h=9 m=8
